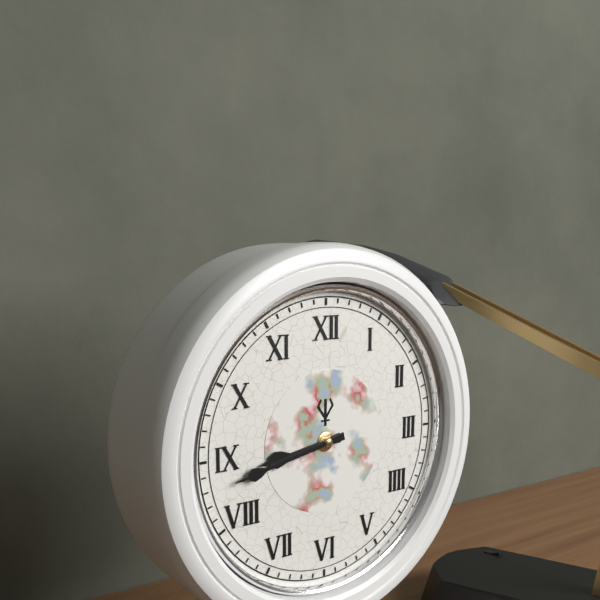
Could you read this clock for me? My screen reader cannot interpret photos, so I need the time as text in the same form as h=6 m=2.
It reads h=8 m=43
